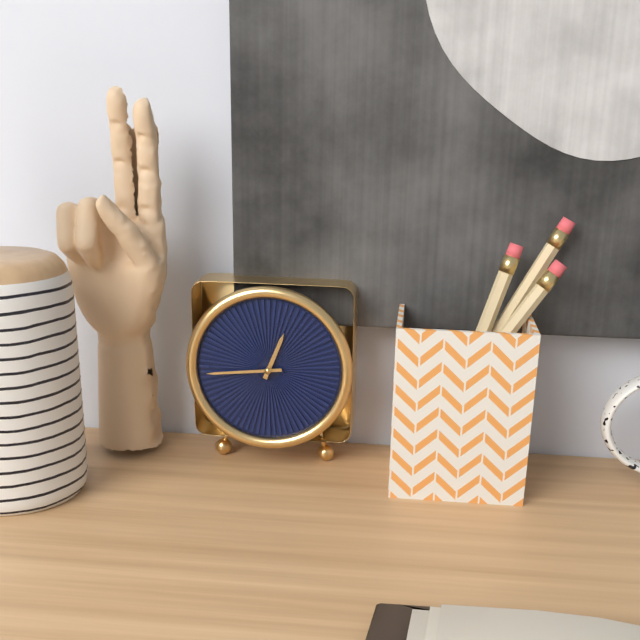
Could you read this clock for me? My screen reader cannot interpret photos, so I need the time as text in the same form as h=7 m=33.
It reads h=12 m=44
